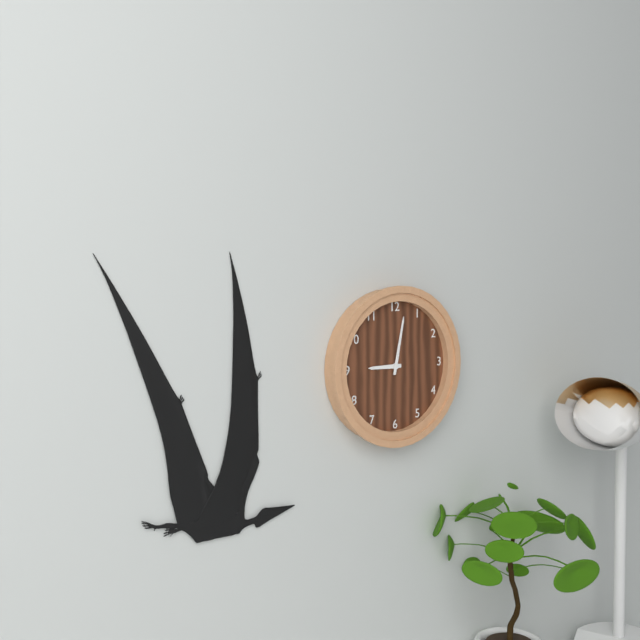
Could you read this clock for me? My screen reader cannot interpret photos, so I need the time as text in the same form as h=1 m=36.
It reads h=9 m=2
